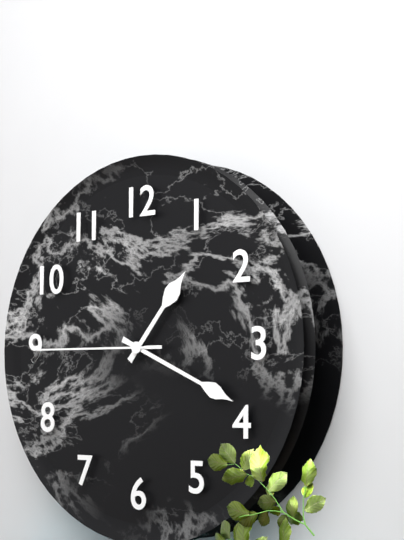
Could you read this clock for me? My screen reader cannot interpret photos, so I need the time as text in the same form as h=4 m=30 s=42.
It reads h=1 m=19 s=45
